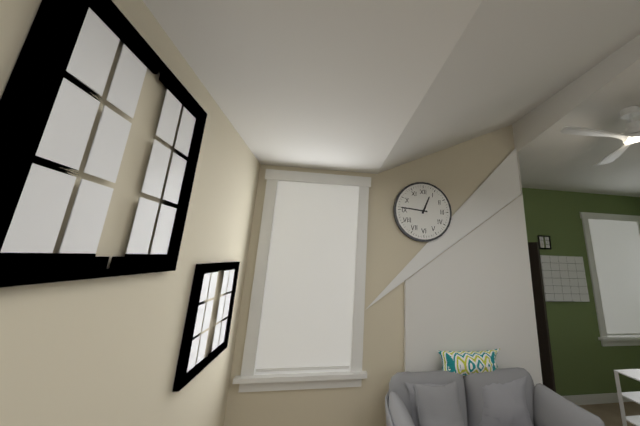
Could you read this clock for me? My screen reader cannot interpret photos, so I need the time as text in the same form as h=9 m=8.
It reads h=12 m=46
